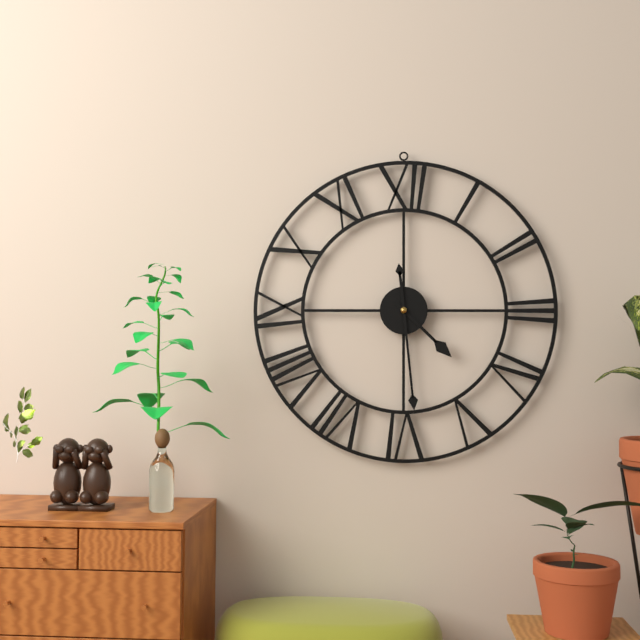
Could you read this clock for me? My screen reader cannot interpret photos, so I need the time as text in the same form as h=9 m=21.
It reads h=4 m=29
